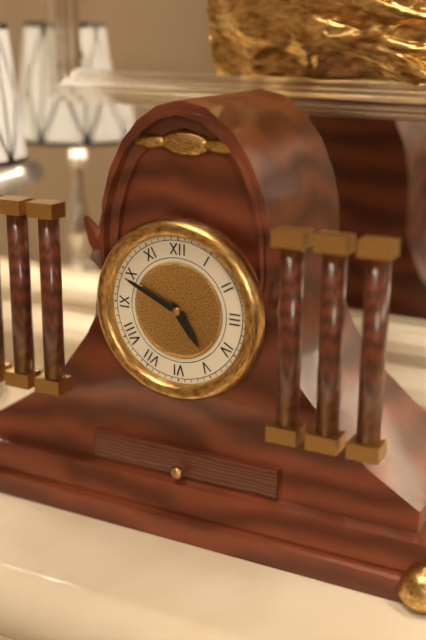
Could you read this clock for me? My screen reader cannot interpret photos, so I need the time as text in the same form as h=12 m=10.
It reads h=4 m=49
